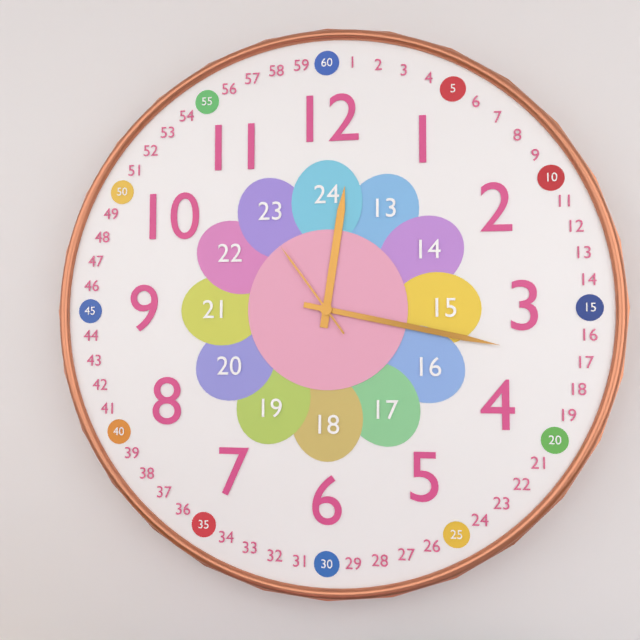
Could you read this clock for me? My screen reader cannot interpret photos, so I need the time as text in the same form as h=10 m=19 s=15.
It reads h=12 m=17 s=54
